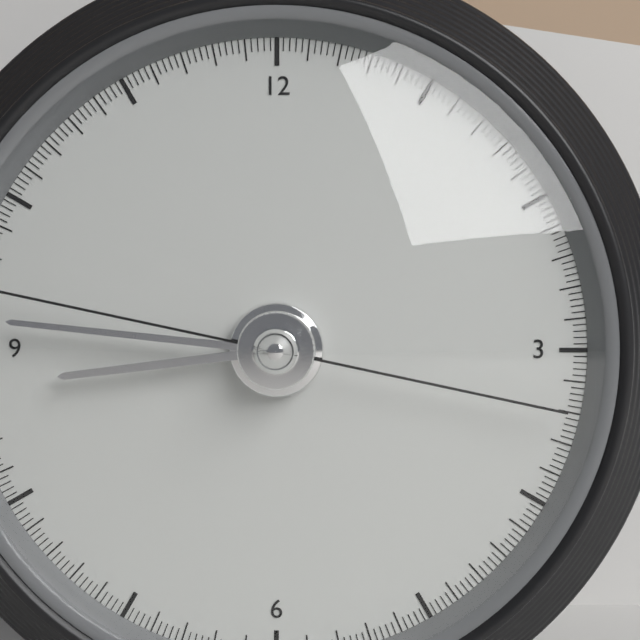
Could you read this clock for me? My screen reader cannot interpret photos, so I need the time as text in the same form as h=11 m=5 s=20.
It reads h=8 m=46 s=47
